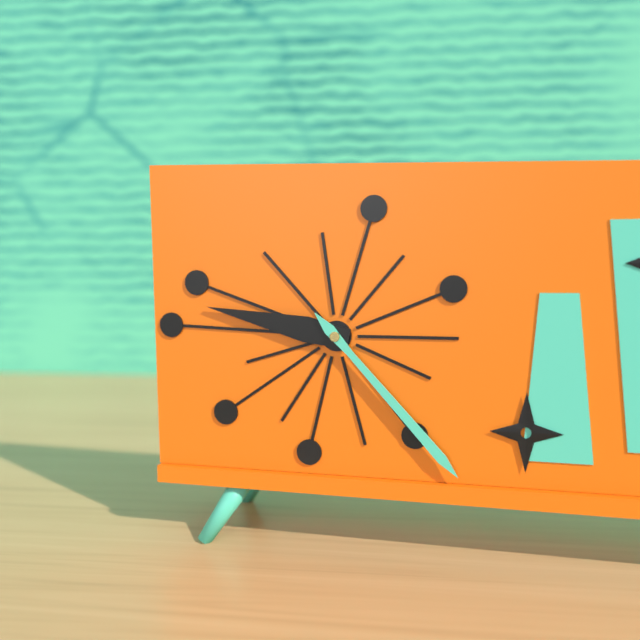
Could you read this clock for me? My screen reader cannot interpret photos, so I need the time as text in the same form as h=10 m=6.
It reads h=9 m=23
